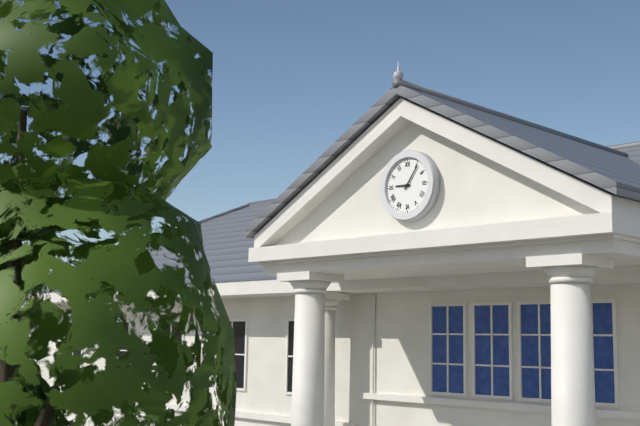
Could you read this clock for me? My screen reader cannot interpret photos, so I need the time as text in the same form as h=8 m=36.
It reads h=9 m=6
